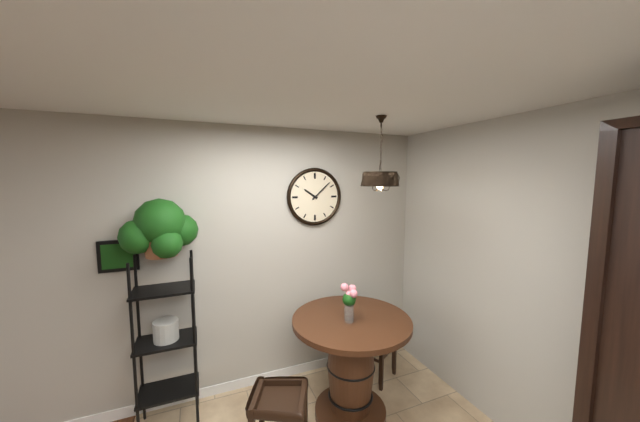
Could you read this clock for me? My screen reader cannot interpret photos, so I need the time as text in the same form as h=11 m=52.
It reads h=10 m=8
